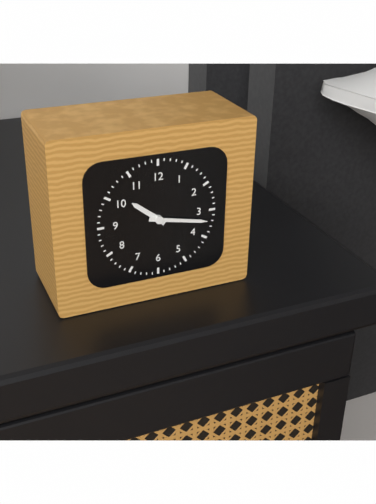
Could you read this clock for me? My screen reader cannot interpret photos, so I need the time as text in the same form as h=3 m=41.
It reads h=10 m=17
